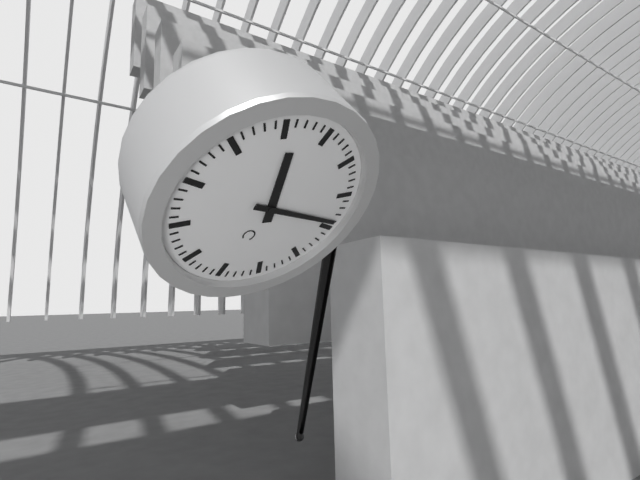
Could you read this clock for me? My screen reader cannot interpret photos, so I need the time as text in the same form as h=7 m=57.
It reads h=11 m=14
